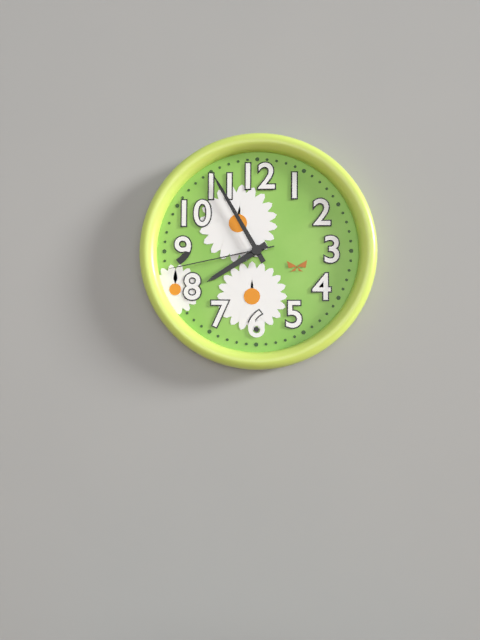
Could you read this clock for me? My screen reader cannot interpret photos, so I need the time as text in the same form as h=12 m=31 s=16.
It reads h=7 m=55 s=43
